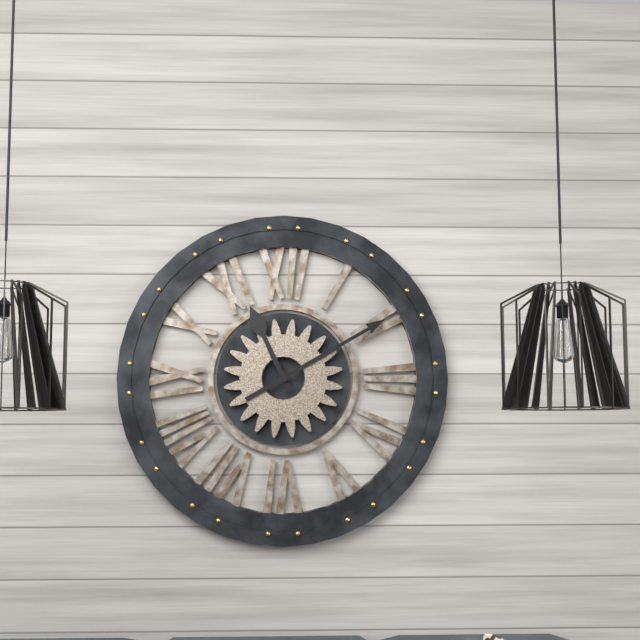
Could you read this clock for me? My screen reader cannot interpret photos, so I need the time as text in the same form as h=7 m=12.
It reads h=11 m=10
